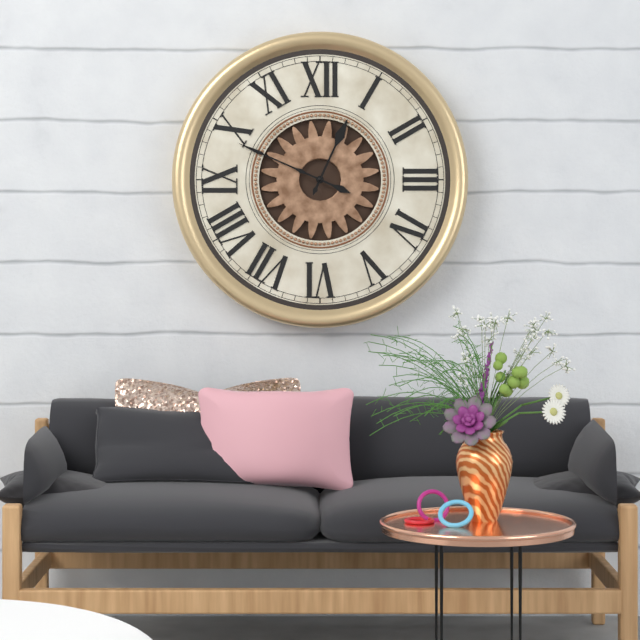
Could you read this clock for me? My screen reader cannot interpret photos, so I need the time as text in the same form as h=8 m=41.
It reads h=12 m=49
